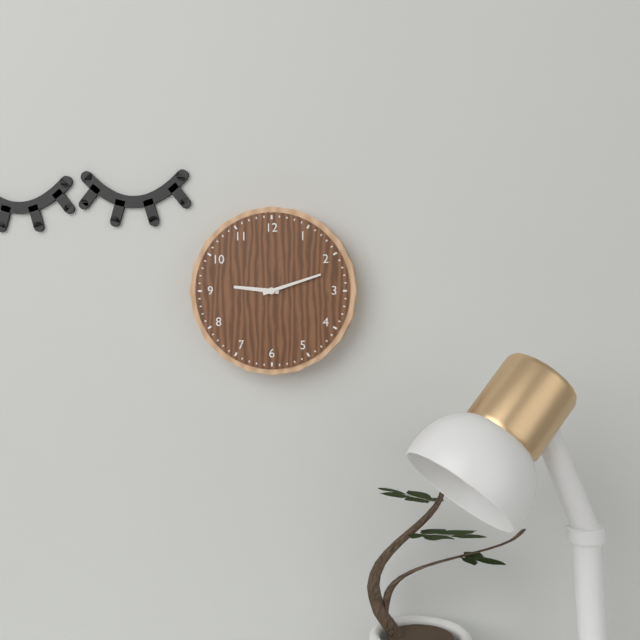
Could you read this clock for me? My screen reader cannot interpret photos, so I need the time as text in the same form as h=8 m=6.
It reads h=9 m=12
